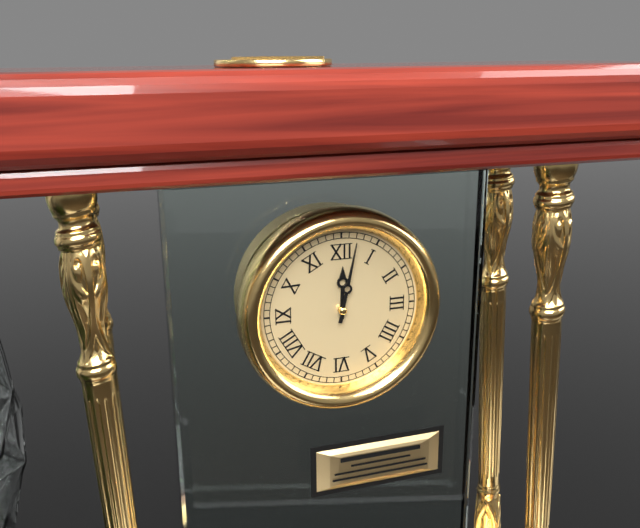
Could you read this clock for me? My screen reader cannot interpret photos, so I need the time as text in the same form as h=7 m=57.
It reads h=12 m=2
